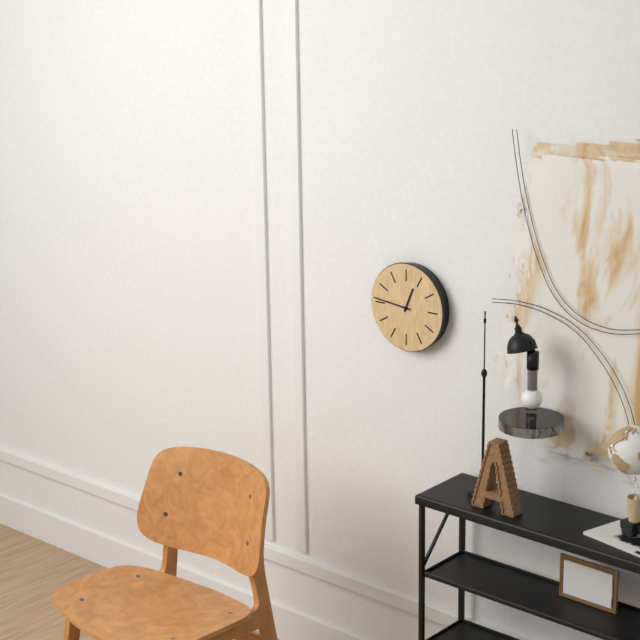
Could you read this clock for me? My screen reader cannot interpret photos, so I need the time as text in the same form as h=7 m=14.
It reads h=12 m=46
